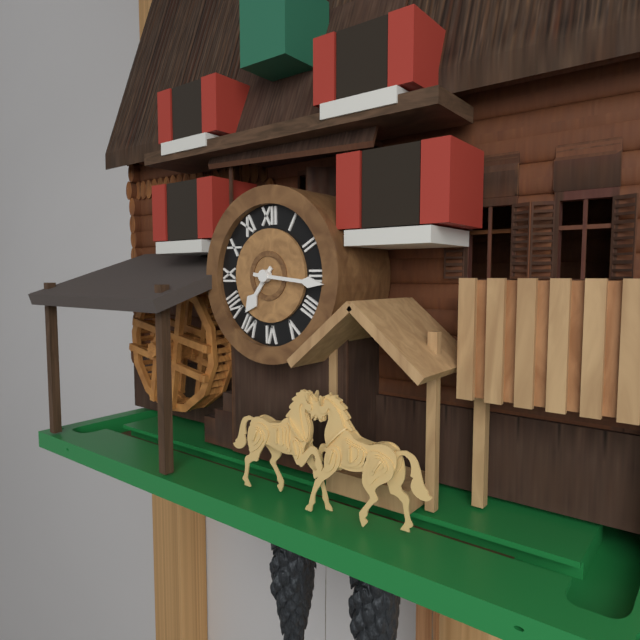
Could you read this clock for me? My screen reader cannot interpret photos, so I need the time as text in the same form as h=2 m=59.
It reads h=7 m=16
